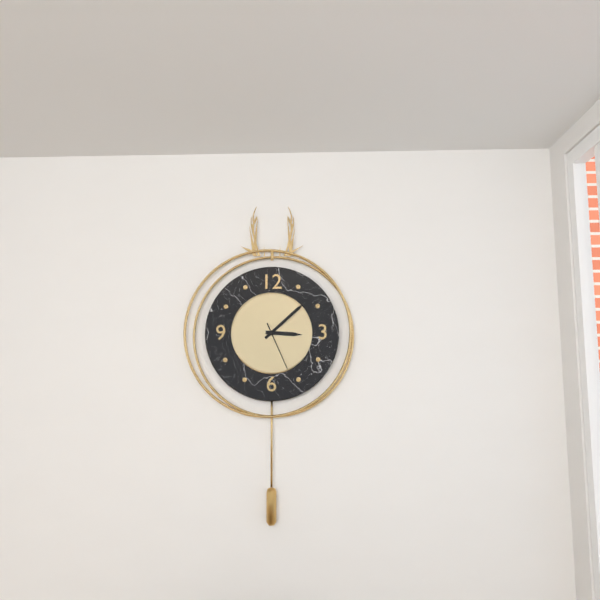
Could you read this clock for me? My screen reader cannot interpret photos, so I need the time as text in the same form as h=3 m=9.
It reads h=3 m=8
